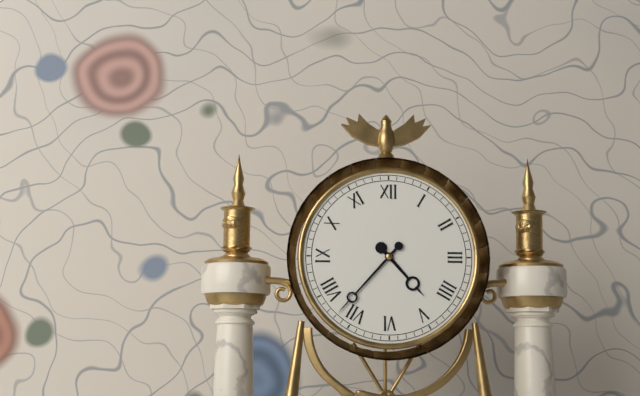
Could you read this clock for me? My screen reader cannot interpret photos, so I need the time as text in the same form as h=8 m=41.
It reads h=4 m=37
